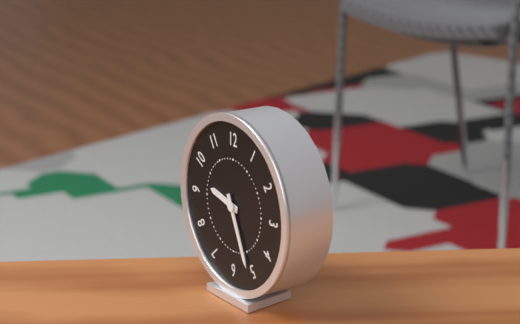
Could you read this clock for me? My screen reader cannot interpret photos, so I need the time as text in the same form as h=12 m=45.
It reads h=9 m=26
